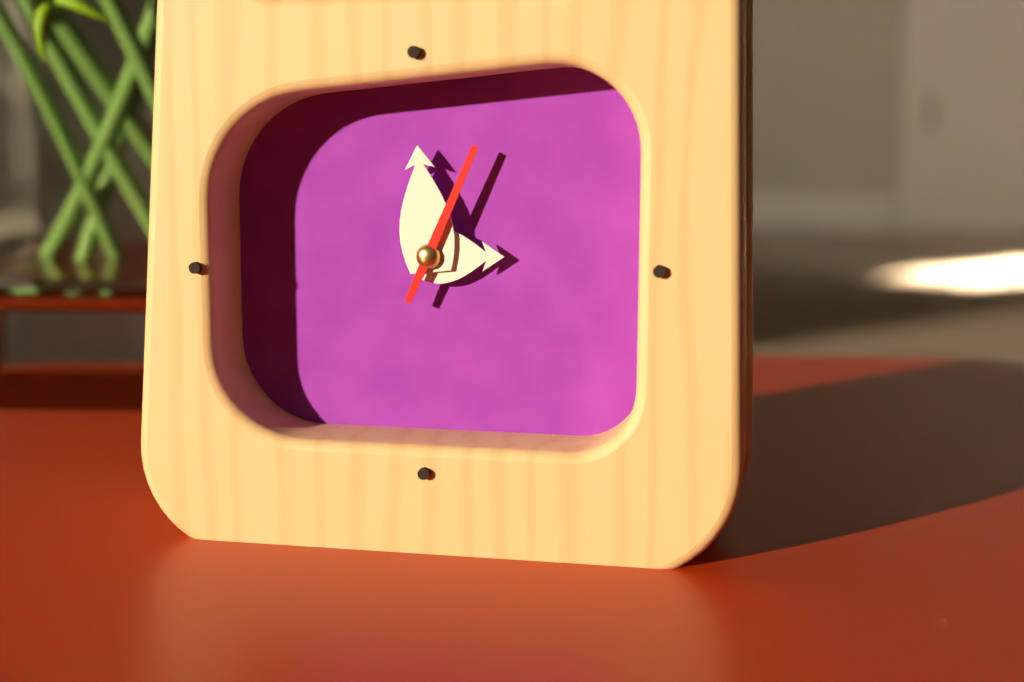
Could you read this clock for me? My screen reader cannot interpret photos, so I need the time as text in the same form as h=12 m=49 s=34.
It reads h=2 m=59 s=4
